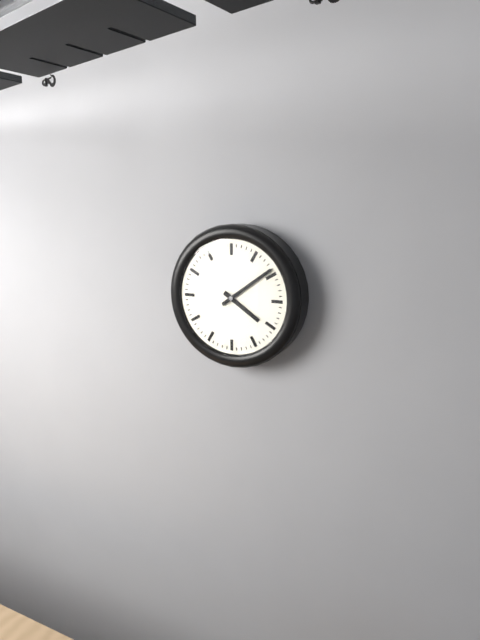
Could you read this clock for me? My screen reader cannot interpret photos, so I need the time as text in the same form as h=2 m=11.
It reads h=4 m=9
